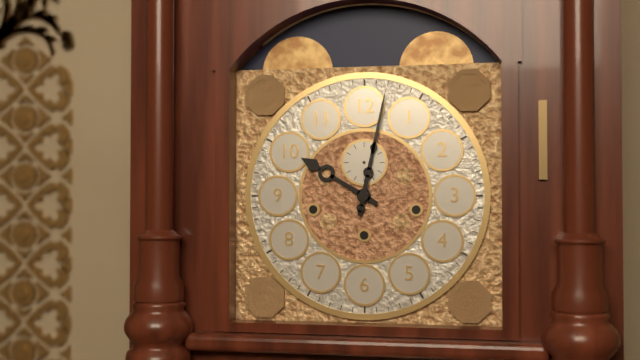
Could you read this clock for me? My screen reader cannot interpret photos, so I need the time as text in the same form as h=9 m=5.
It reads h=10 m=2
